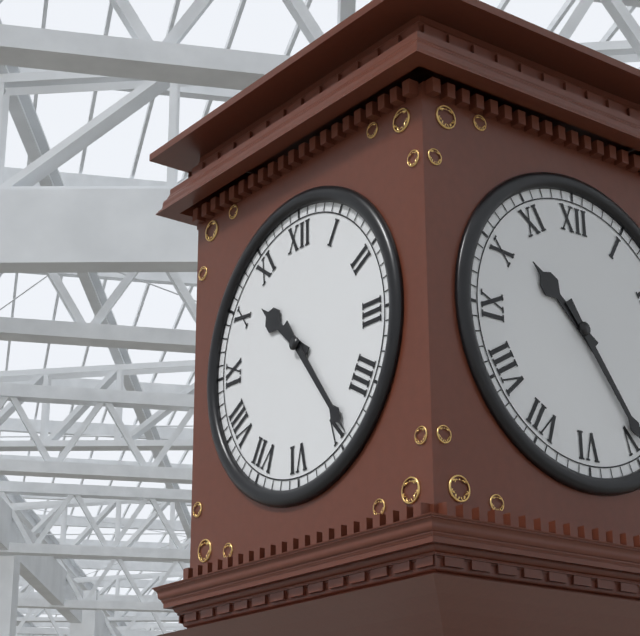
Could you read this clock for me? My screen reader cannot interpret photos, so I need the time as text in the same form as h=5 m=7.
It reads h=10 m=24
